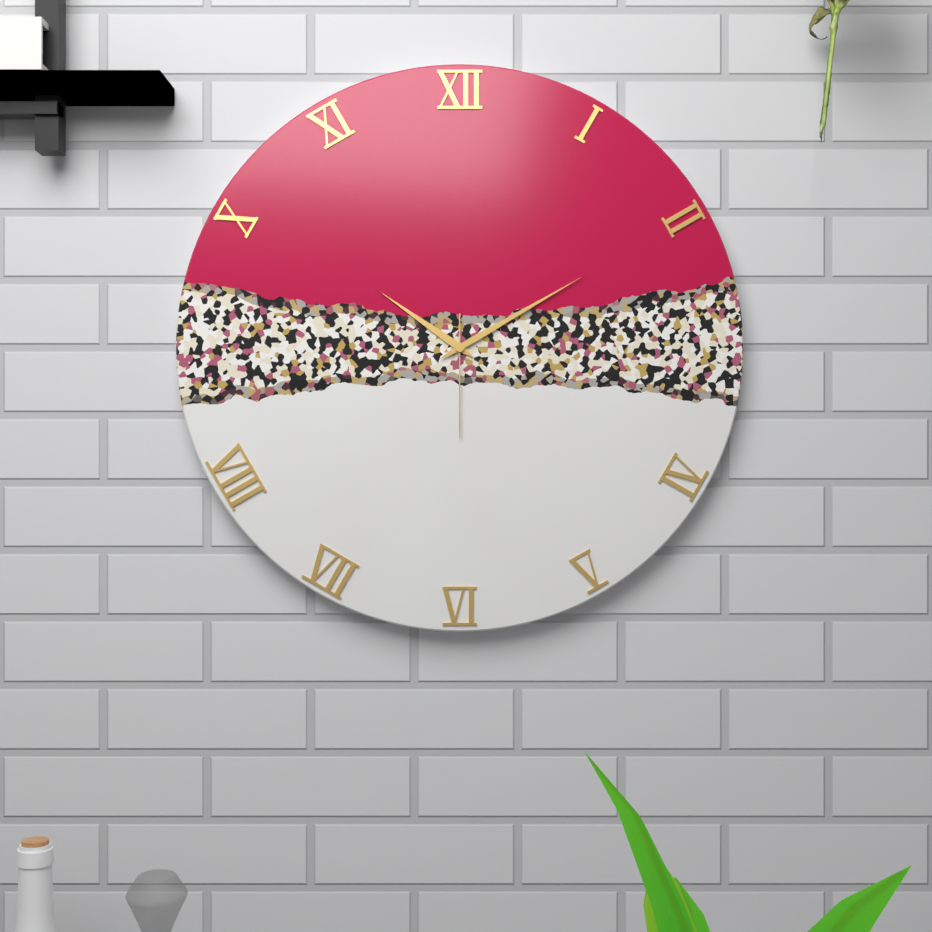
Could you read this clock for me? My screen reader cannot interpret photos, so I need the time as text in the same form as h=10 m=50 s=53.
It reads h=10 m=10 s=30
